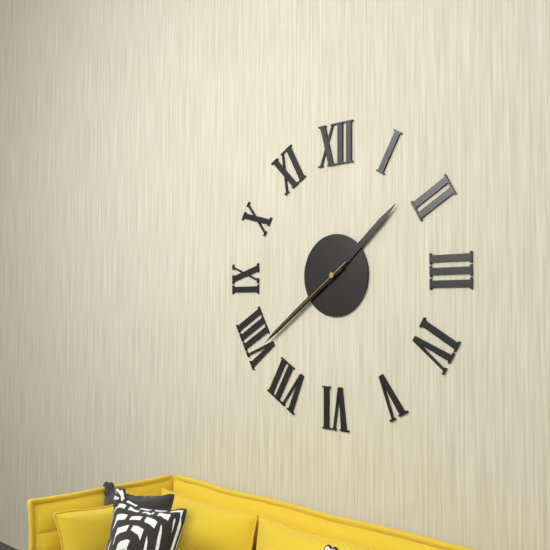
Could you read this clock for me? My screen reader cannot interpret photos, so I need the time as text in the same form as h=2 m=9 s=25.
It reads h=1 m=39 s=39
